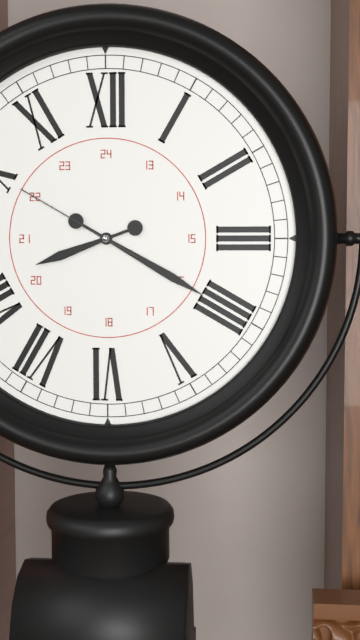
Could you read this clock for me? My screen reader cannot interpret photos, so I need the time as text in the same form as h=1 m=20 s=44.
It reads h=8 m=20 s=50
